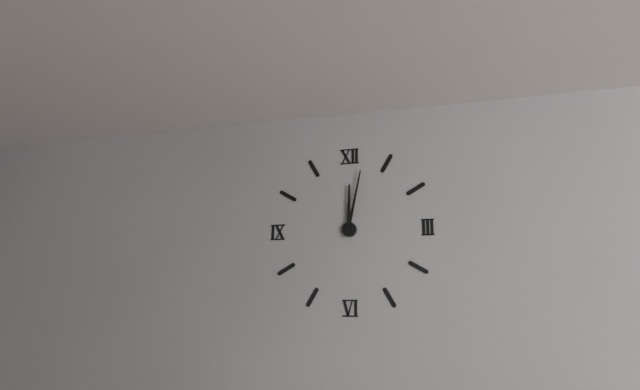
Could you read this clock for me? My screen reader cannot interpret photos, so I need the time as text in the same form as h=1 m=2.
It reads h=12 m=2
